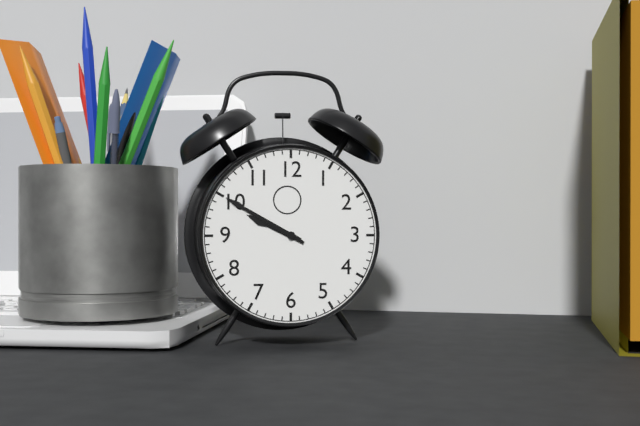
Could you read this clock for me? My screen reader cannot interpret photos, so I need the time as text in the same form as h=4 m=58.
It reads h=9 m=50
